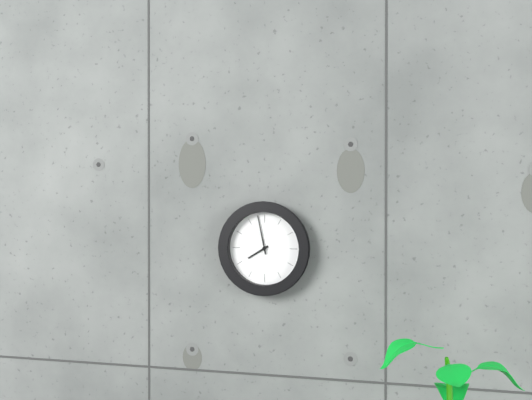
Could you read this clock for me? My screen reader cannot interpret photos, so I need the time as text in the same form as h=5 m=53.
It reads h=7 m=58
